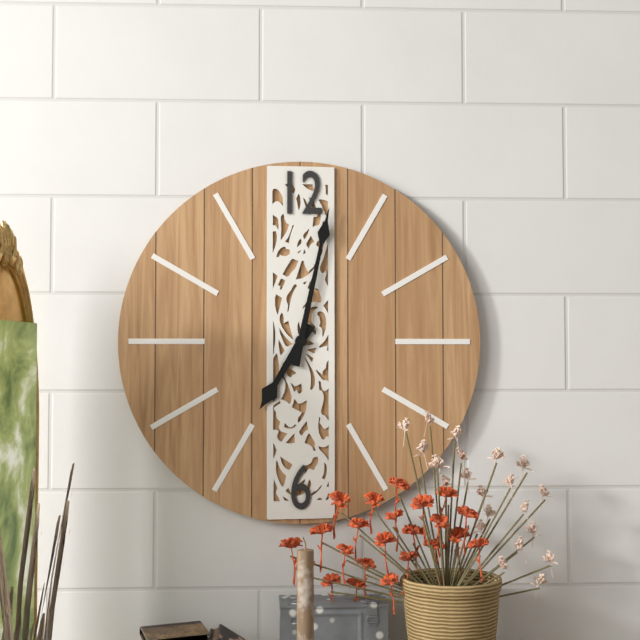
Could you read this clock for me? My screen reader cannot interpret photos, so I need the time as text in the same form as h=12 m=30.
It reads h=7 m=2
